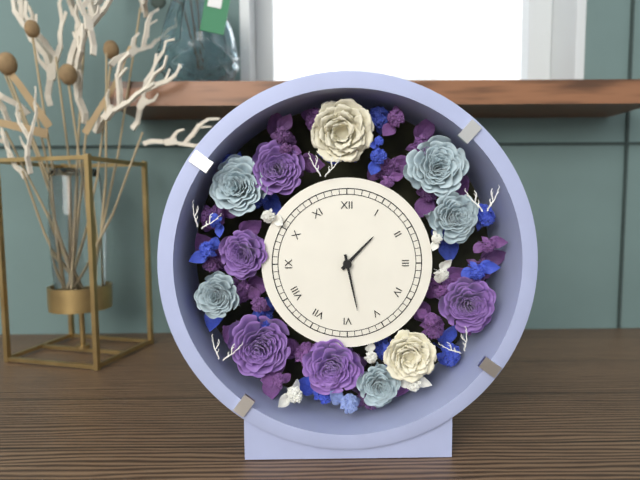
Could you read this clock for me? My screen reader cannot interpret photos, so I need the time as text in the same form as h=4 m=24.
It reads h=1 m=28
